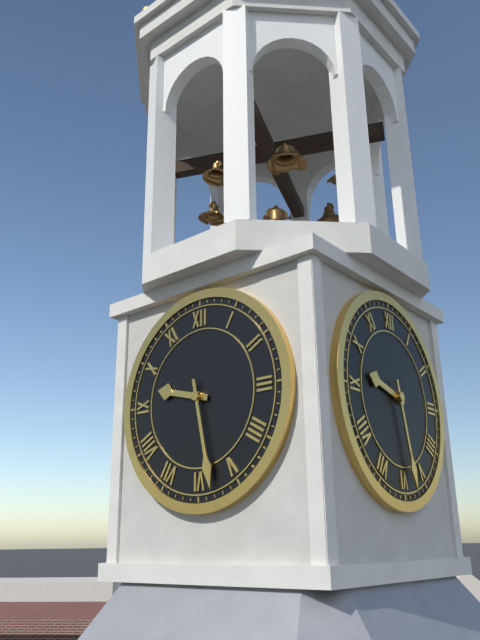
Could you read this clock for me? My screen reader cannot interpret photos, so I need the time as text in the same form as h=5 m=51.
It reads h=9 m=28
